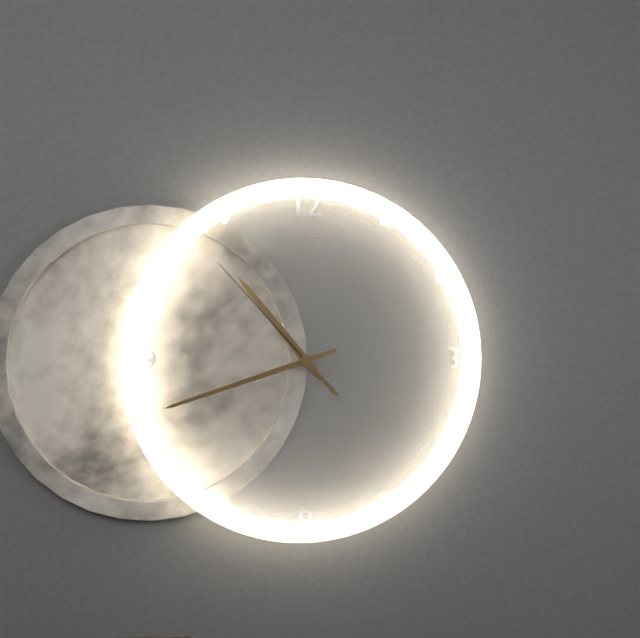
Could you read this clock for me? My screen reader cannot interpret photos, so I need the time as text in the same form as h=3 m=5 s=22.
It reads h=10 m=42 s=53
